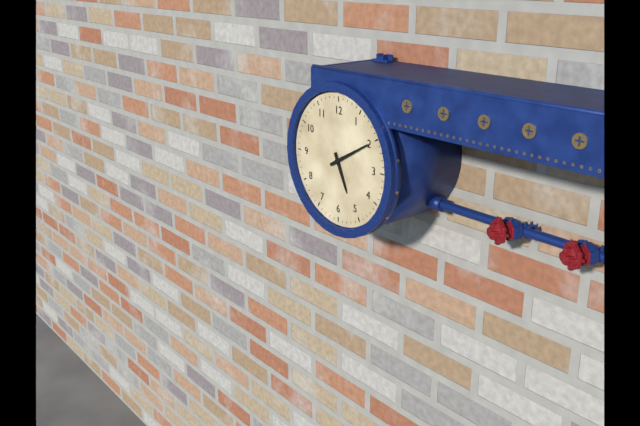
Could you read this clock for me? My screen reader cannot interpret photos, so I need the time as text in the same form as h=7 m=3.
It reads h=5 m=10
